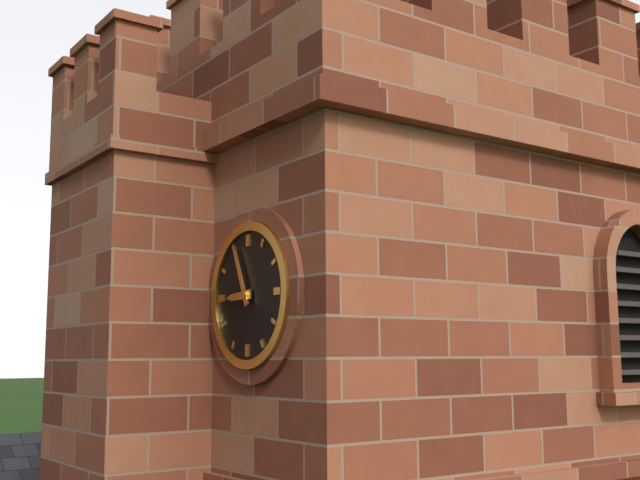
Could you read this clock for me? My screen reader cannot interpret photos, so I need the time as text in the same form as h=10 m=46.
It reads h=8 m=56
